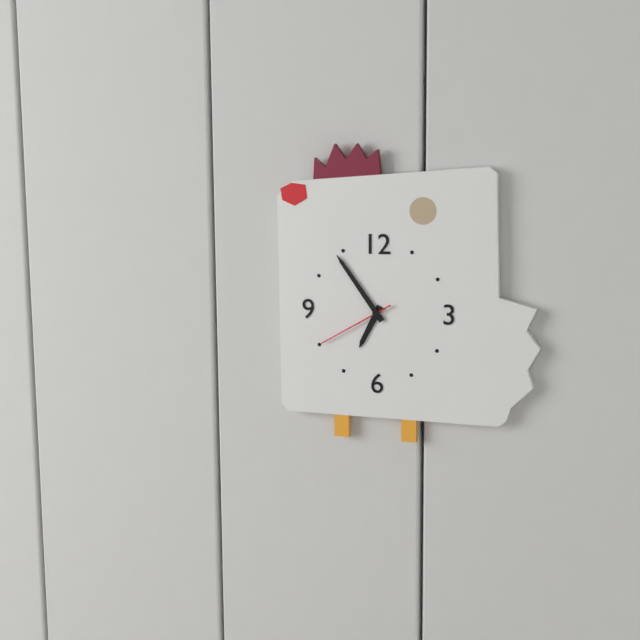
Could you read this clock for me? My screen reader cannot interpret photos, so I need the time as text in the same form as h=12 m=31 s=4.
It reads h=6 m=54 s=40
